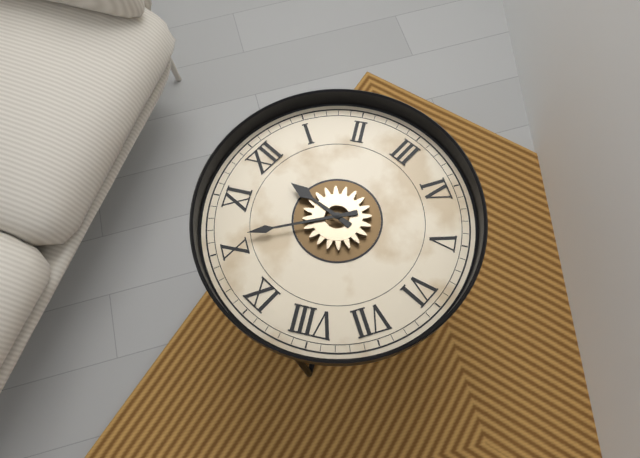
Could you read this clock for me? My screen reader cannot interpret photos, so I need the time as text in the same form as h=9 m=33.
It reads h=11 m=51
